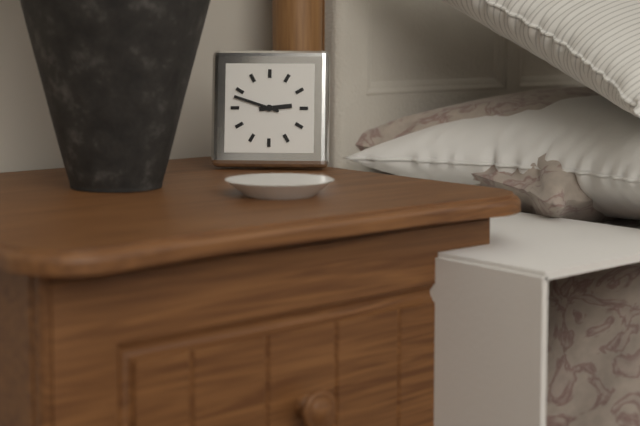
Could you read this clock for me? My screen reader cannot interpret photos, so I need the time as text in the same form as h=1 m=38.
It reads h=2 m=48
